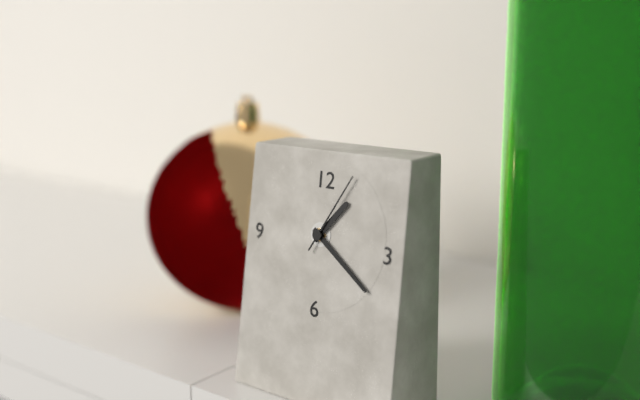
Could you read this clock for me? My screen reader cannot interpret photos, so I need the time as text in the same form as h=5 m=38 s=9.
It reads h=1 m=21 s=5
